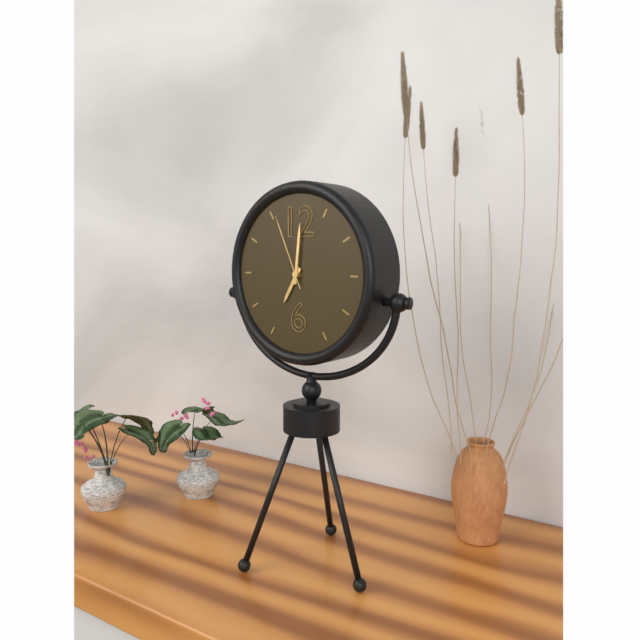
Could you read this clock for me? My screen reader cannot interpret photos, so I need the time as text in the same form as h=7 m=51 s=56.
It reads h=7 m=1 s=56
